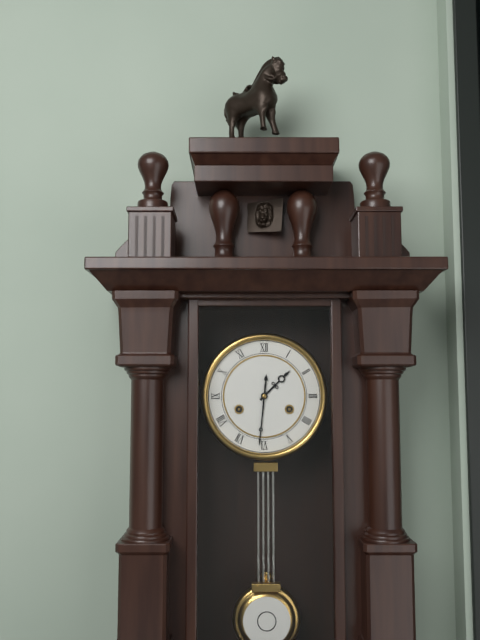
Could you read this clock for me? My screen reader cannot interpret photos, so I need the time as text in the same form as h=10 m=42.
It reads h=1 m=31
